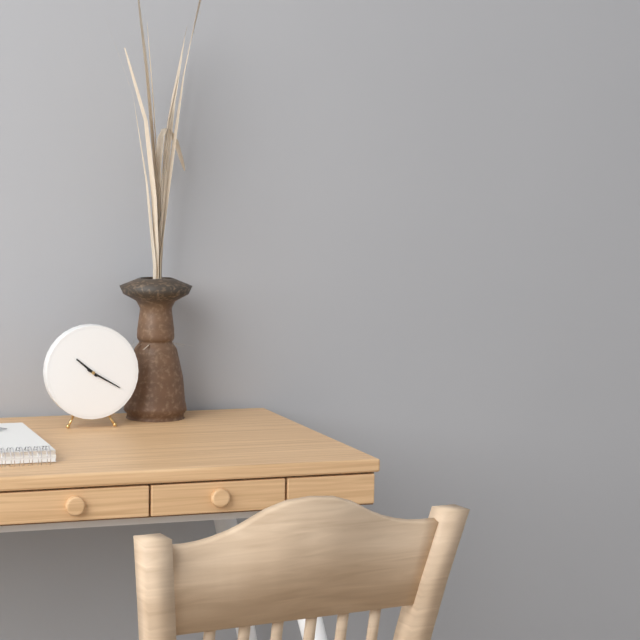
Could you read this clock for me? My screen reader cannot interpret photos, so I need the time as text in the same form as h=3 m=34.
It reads h=10 m=20
